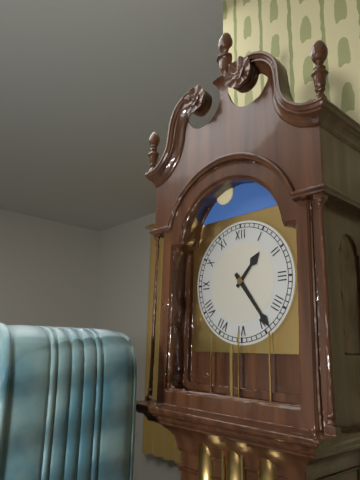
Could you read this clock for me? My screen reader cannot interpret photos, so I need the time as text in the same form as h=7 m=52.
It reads h=1 m=24
